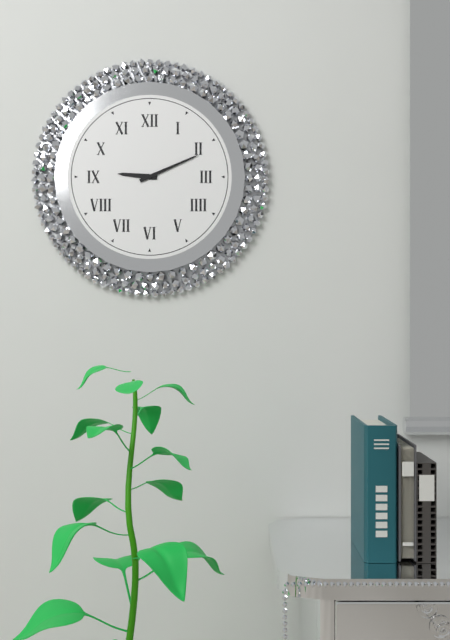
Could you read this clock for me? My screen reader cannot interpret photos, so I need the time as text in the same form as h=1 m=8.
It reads h=9 m=11
